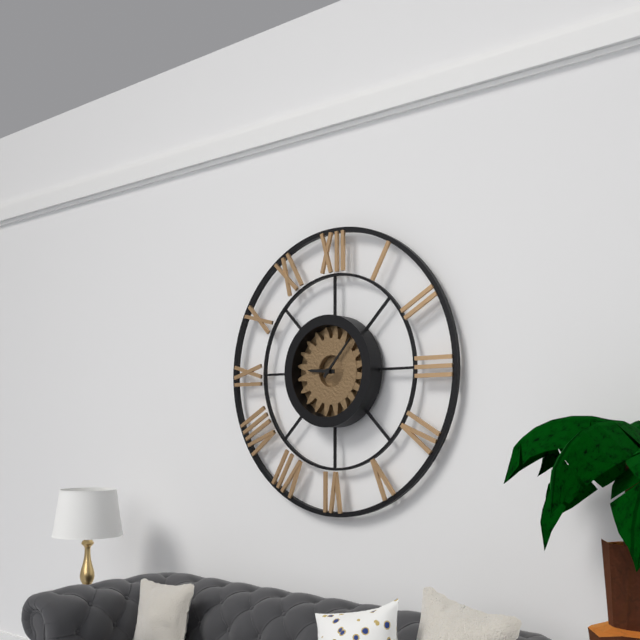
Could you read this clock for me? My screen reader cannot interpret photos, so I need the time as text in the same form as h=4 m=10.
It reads h=9 m=7
